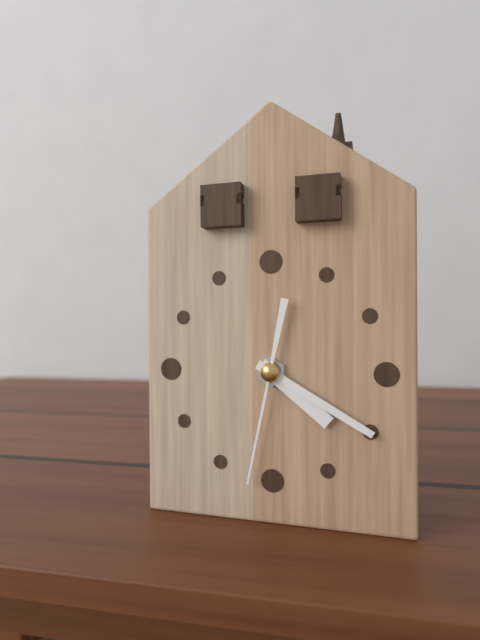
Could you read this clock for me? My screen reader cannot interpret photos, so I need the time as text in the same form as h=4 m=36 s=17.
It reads h=4 m=20 s=32
